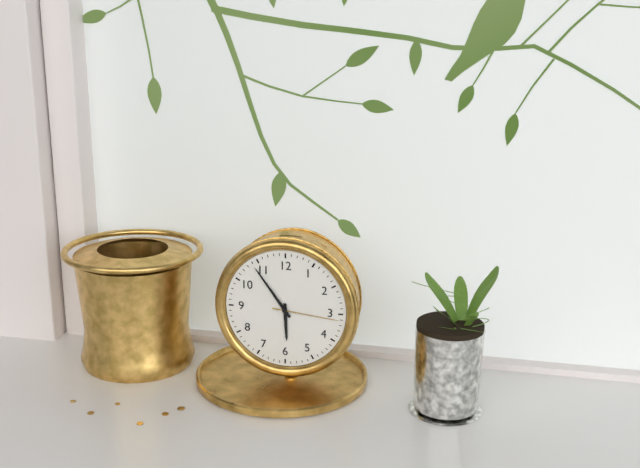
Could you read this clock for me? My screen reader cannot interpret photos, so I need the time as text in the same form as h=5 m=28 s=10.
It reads h=5 m=54 s=16
